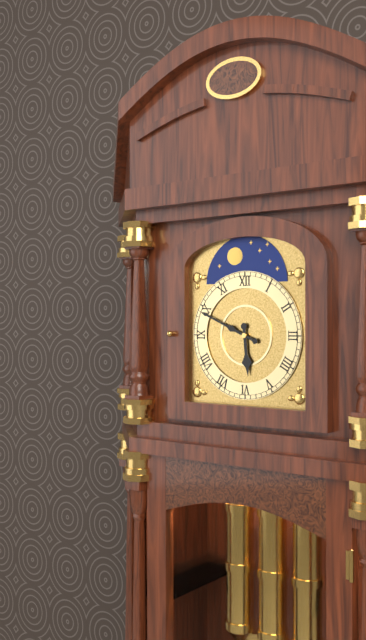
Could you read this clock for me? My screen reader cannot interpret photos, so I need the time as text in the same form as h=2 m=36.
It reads h=5 m=49
